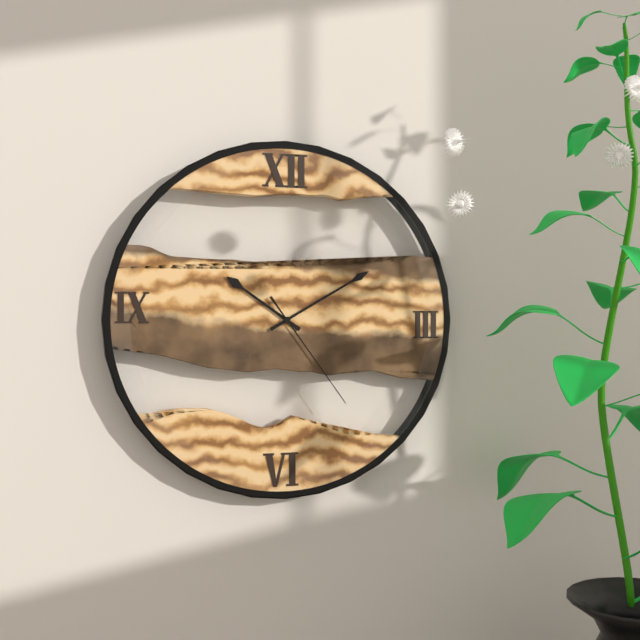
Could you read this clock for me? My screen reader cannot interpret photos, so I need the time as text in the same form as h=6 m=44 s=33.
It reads h=10 m=10 s=24
